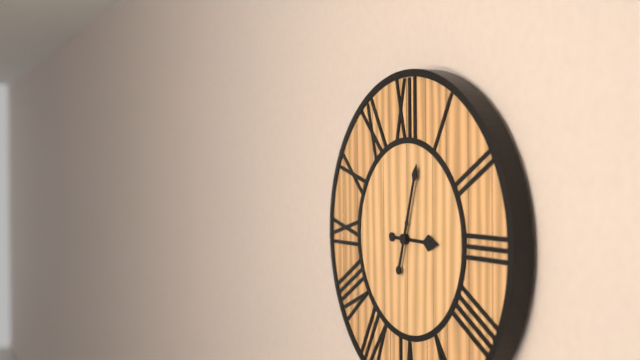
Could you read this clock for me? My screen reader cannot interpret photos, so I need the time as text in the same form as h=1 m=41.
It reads h=3 m=3
